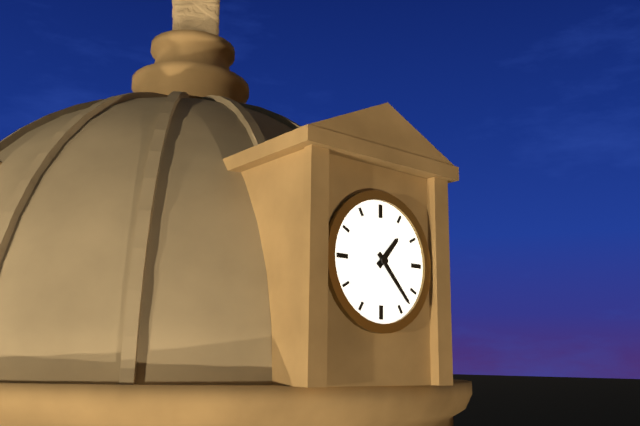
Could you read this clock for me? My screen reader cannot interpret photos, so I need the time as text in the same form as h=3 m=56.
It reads h=1 m=23
